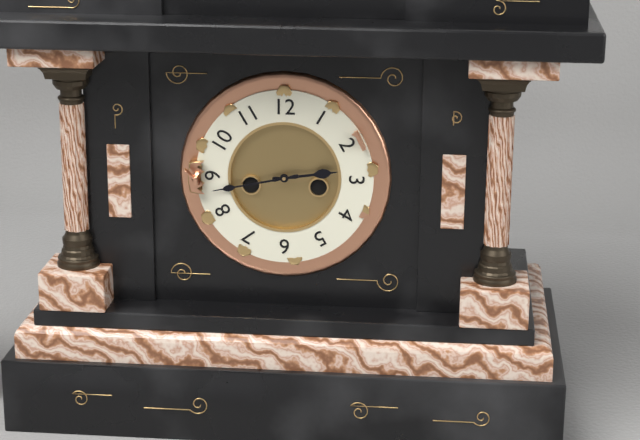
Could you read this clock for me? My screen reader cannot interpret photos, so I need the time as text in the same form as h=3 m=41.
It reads h=2 m=43
